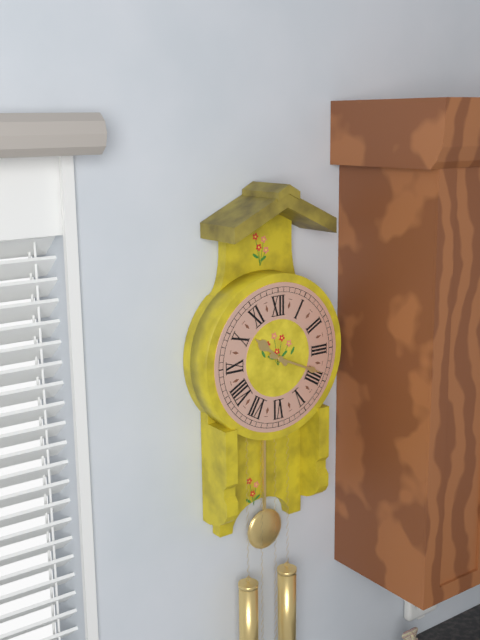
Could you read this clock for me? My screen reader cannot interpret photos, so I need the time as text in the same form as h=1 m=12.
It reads h=10 m=19
